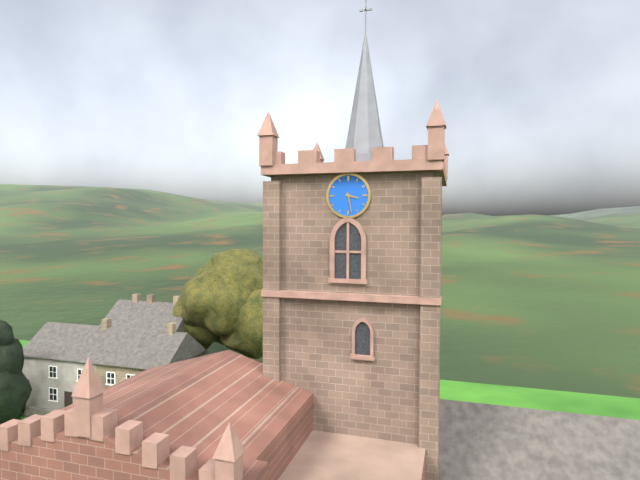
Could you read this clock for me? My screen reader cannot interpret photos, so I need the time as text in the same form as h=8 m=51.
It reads h=3 m=28
